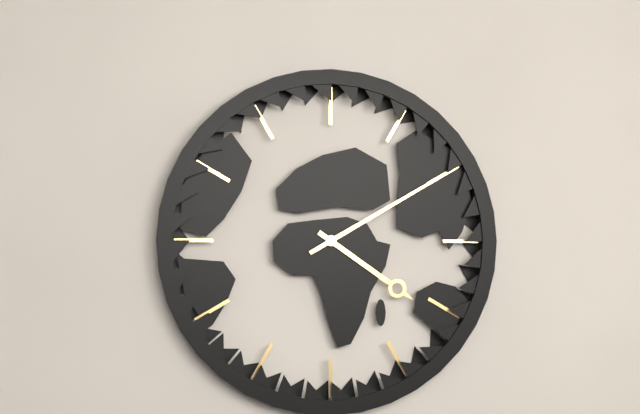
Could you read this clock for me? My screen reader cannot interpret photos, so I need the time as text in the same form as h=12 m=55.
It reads h=4 m=10
